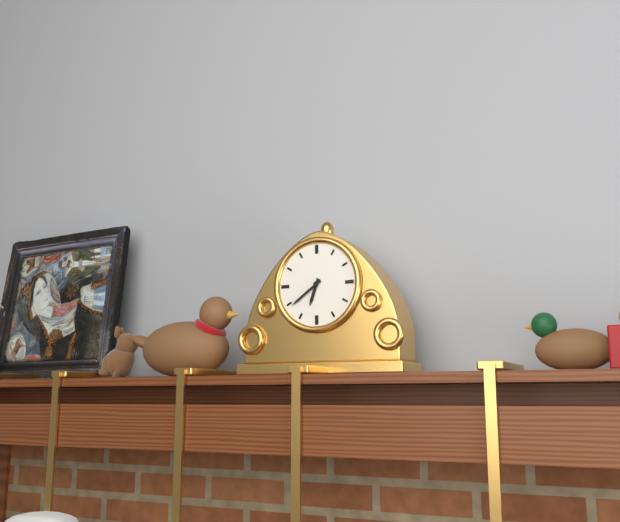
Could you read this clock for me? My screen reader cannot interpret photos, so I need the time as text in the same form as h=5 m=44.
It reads h=6 m=39
